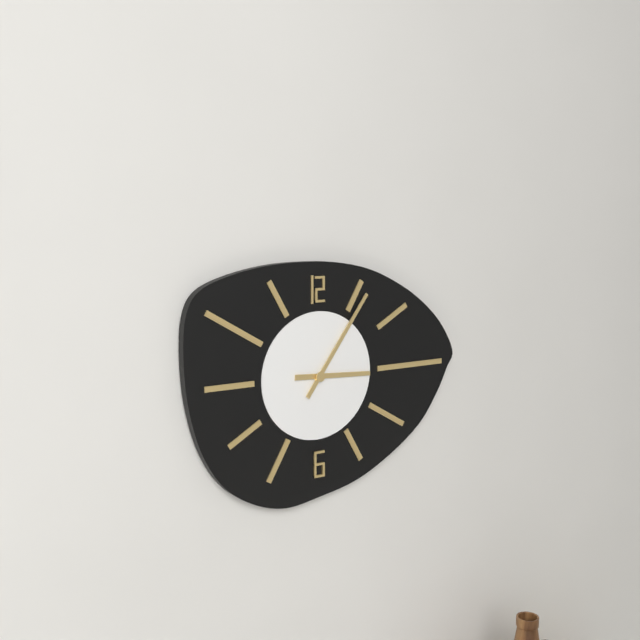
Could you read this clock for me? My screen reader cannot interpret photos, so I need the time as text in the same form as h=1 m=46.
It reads h=3 m=6
